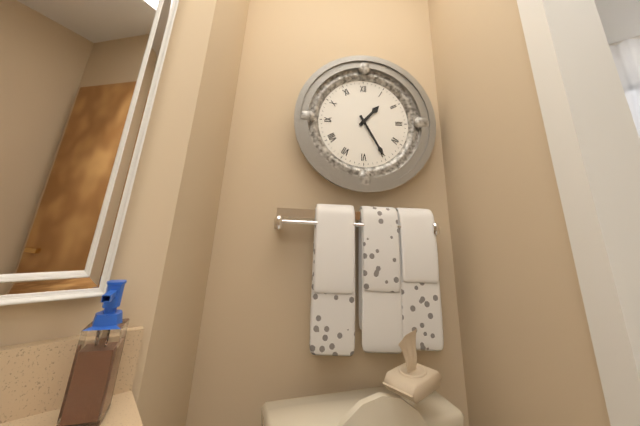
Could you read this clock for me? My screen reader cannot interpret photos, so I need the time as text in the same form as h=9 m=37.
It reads h=1 m=25
